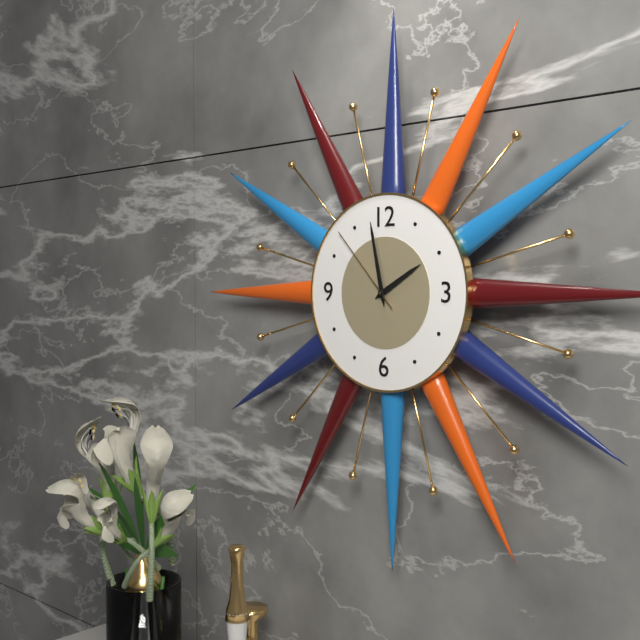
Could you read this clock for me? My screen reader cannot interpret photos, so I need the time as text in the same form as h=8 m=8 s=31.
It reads h=1 m=58 s=53
